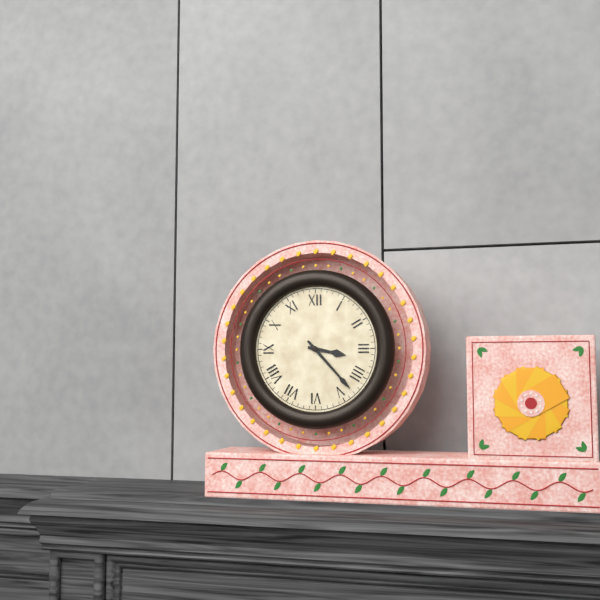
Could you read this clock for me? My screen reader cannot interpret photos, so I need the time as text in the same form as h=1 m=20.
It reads h=3 m=23
